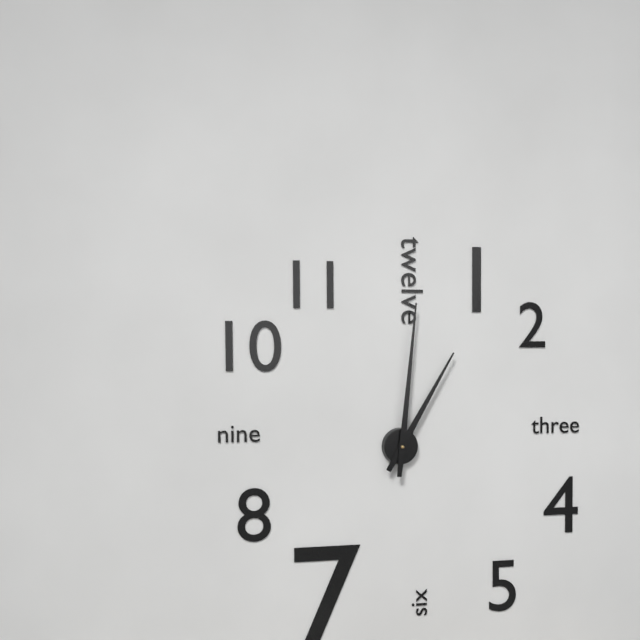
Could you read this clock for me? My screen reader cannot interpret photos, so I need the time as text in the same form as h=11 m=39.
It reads h=1 m=1
